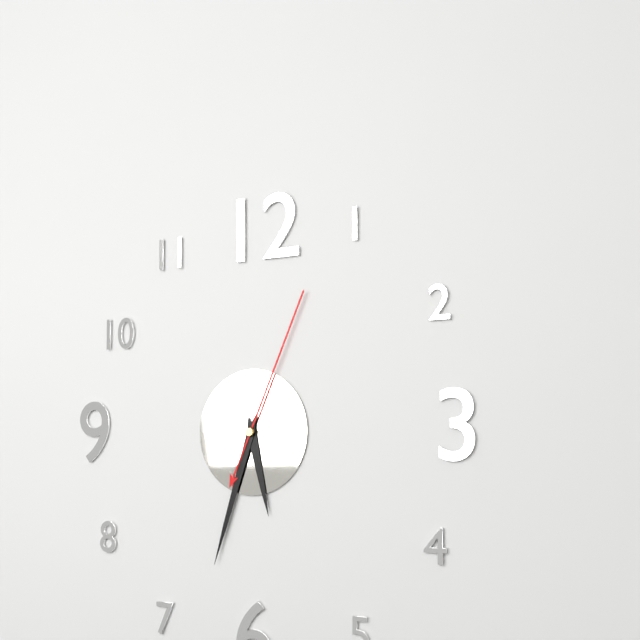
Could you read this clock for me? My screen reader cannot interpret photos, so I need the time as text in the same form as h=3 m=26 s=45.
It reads h=5 m=33 s=4
